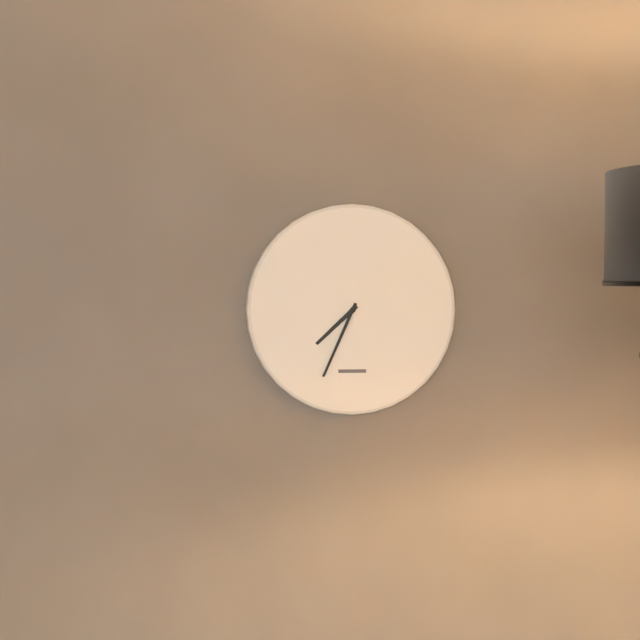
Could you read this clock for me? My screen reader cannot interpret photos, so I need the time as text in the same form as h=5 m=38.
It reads h=7 m=34
